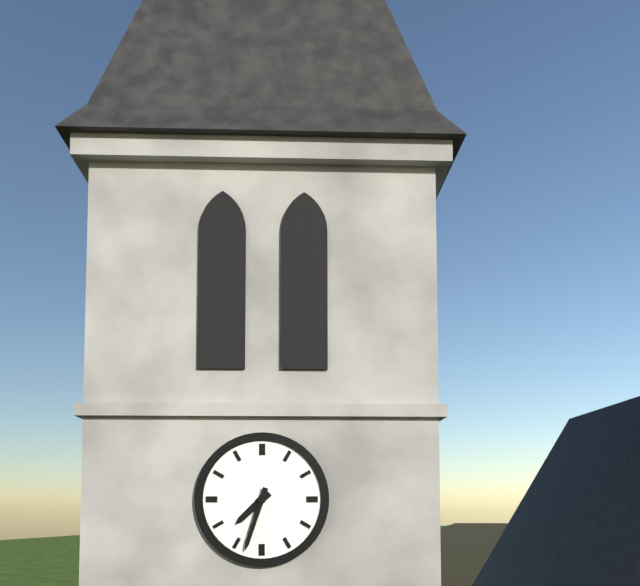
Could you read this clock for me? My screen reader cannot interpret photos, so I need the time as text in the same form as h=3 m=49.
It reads h=7 m=33
